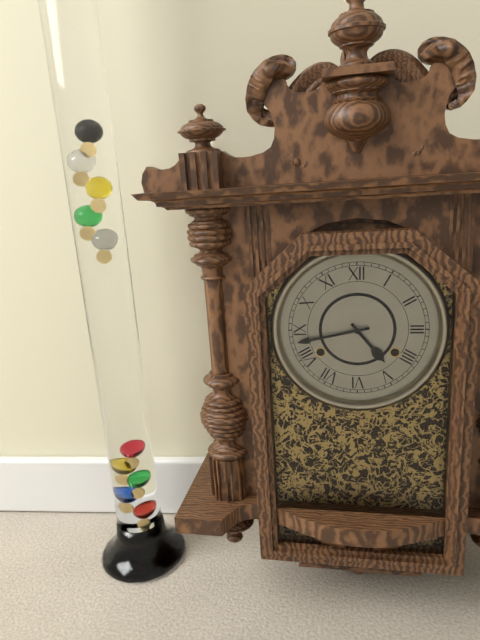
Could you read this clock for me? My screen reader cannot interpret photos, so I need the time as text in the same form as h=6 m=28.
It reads h=4 m=43
